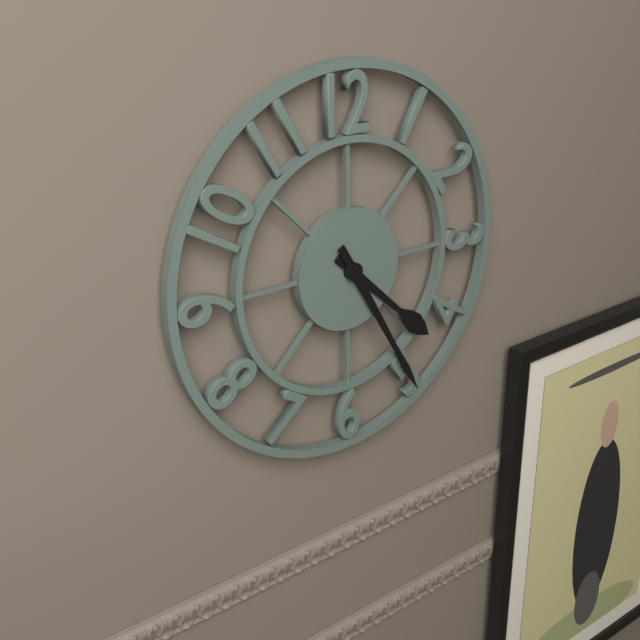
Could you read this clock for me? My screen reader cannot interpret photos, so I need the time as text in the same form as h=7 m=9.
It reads h=4 m=25
